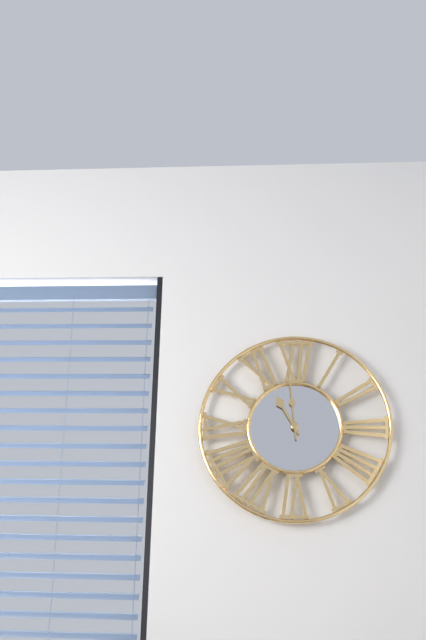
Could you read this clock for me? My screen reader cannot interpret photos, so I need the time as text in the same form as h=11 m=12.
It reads h=10 m=59
